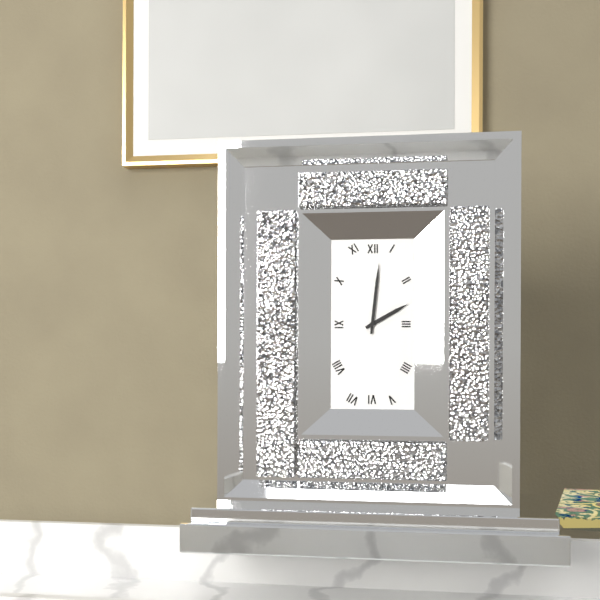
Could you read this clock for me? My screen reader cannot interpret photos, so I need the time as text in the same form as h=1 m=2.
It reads h=2 m=1
